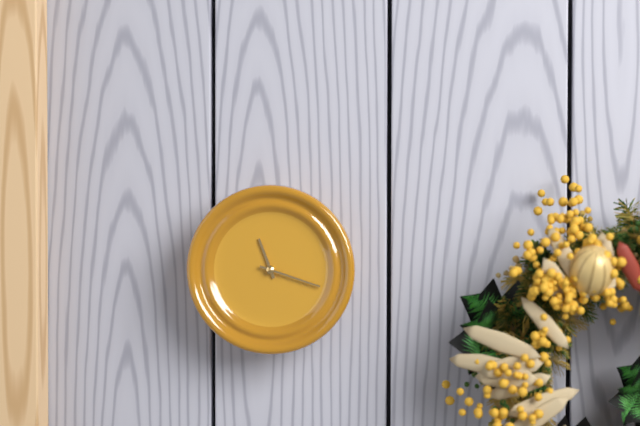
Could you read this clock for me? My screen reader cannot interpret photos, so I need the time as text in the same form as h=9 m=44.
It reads h=11 m=18
